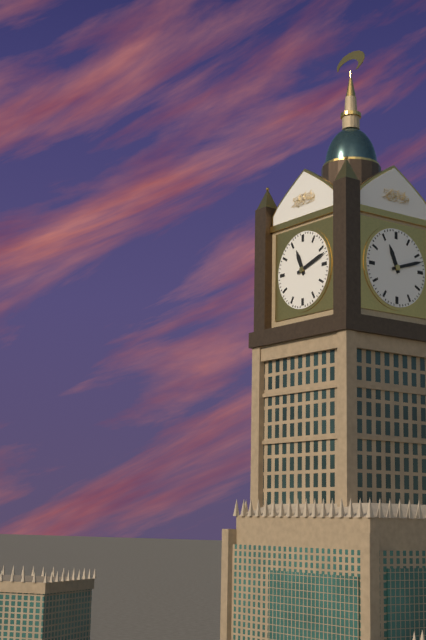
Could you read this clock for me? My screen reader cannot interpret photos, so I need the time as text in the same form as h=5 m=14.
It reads h=11 m=12
